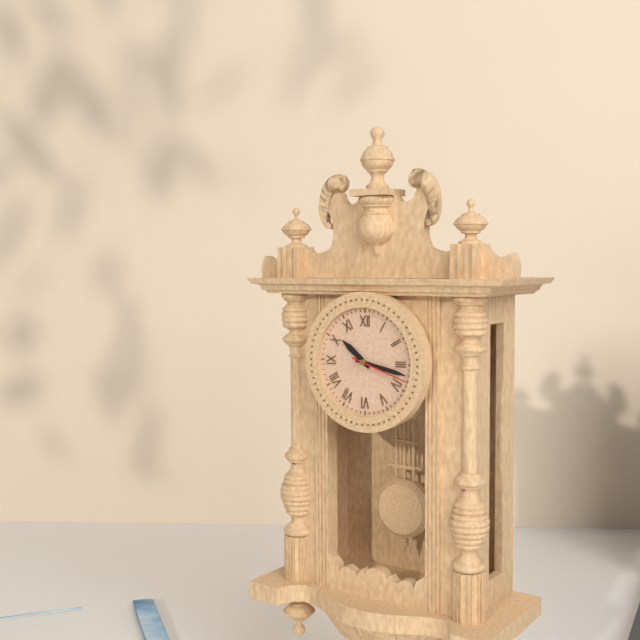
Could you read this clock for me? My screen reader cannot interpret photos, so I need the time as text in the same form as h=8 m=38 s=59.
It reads h=10 m=17 s=18
